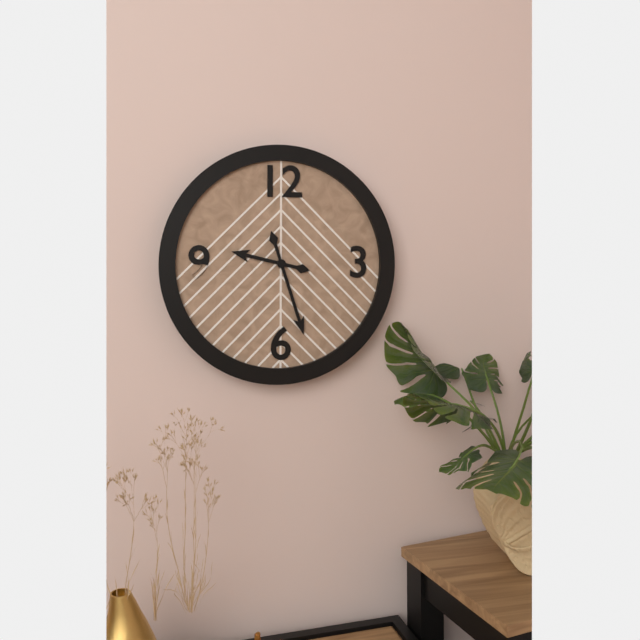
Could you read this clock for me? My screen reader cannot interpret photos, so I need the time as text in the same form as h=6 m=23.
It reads h=9 m=27
